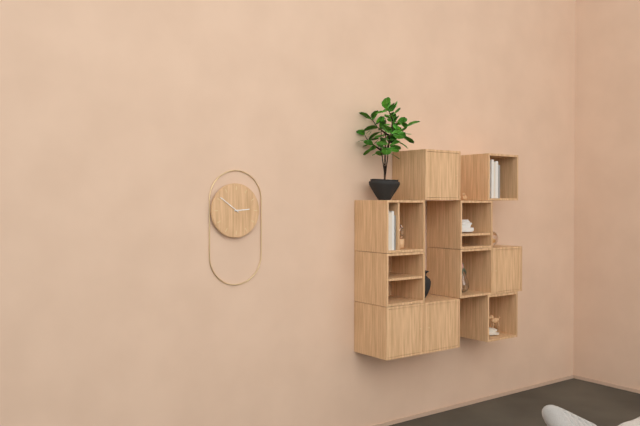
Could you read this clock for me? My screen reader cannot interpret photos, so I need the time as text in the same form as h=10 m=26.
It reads h=2 m=51
